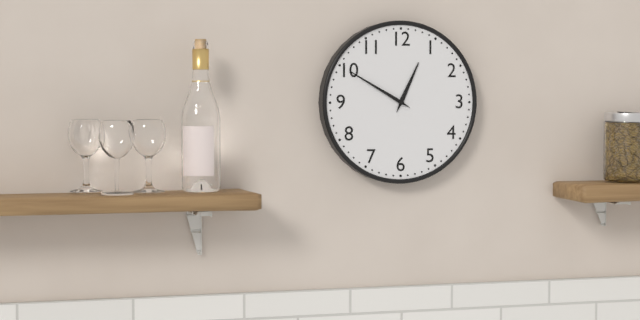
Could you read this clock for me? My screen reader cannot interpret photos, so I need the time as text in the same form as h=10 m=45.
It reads h=12 m=50
